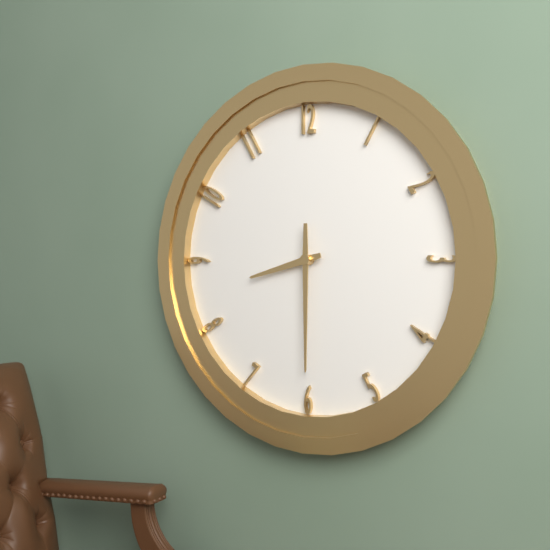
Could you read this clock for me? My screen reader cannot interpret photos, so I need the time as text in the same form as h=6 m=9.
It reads h=8 m=30
